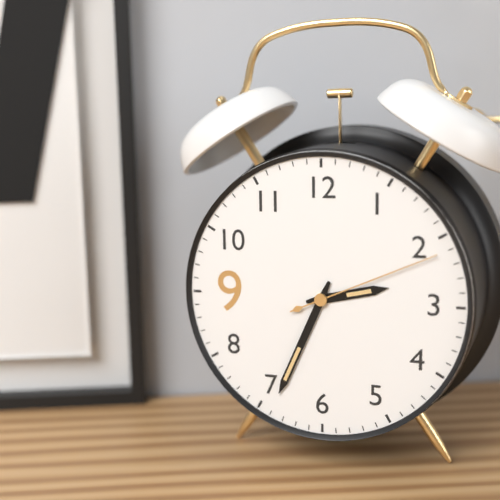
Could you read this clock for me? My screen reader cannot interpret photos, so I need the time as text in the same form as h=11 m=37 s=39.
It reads h=2 m=34 s=11
